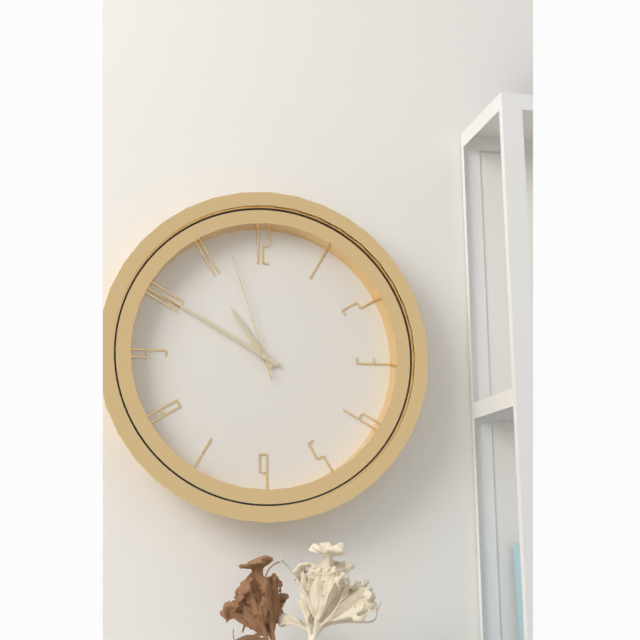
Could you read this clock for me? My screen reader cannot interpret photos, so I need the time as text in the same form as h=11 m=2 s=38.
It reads h=10 m=50 s=57
